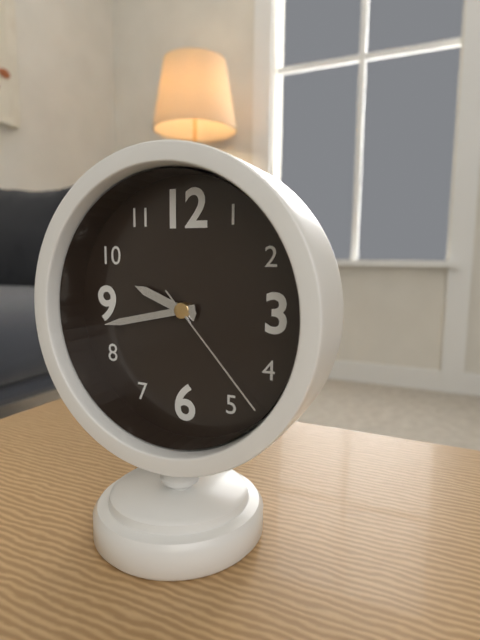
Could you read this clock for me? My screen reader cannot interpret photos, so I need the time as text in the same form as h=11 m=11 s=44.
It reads h=9 m=43 s=23
